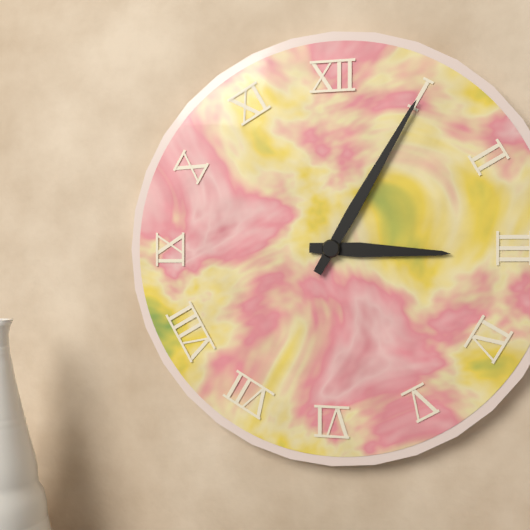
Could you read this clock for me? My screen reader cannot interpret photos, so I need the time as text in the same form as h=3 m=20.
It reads h=3 m=5
